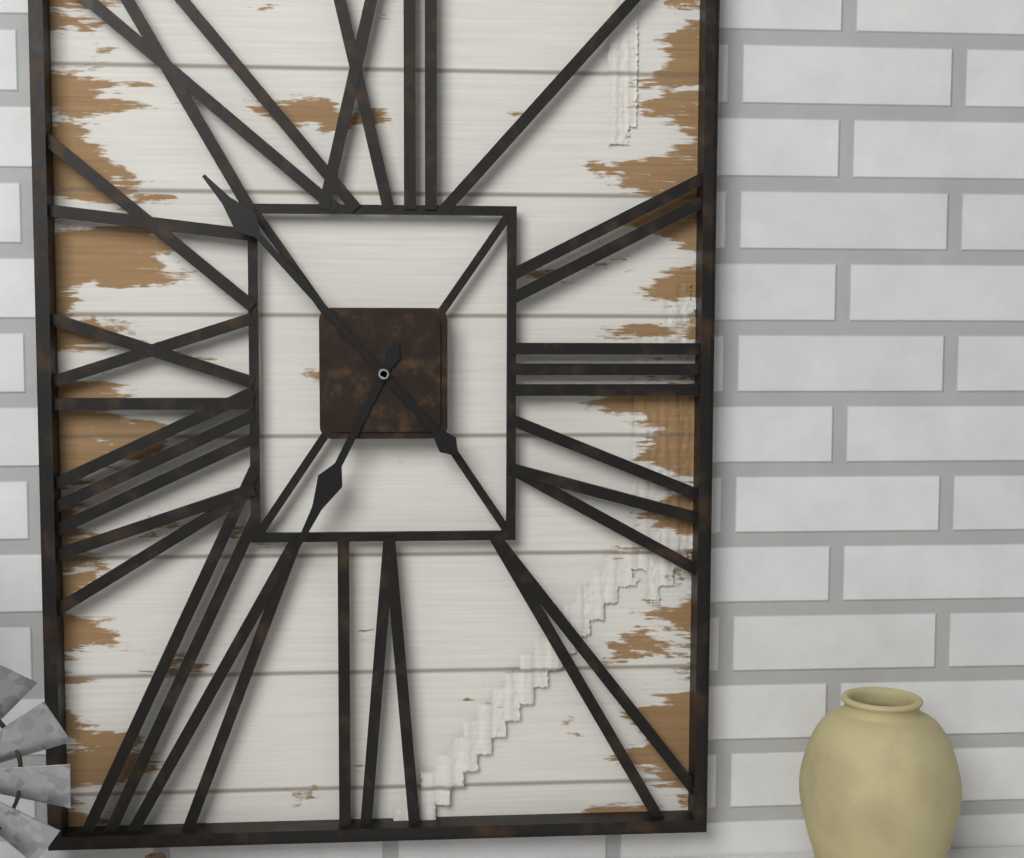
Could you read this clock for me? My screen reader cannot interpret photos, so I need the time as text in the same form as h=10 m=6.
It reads h=6 m=53
